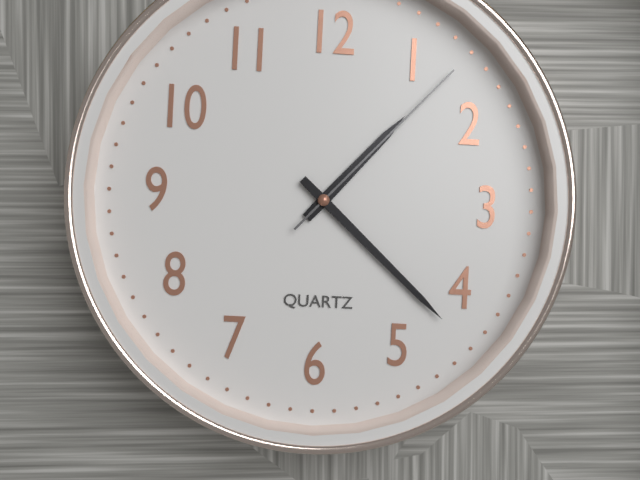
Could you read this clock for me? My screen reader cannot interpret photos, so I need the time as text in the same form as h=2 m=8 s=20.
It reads h=1 m=22 s=7
